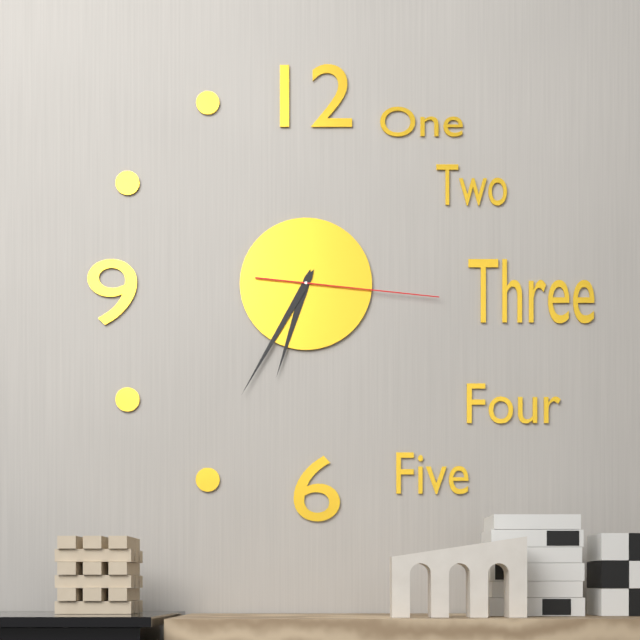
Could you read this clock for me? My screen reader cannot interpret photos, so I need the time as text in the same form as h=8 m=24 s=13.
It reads h=6 m=35 s=16
